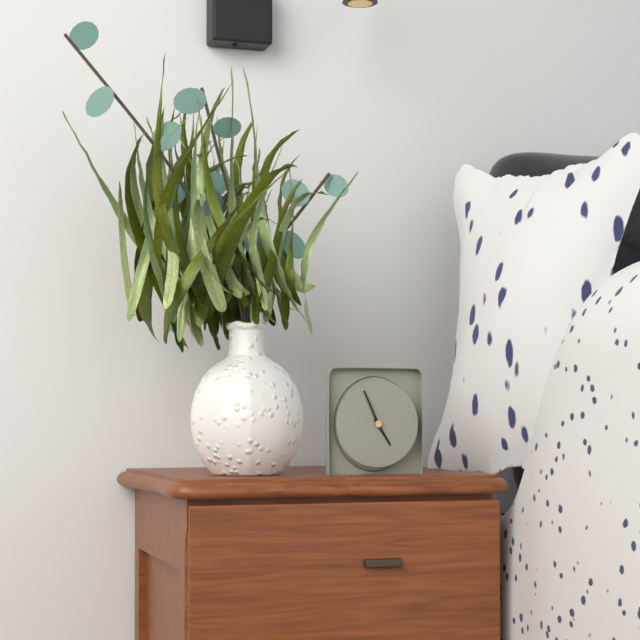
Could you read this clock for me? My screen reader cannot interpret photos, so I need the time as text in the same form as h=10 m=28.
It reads h=4 m=56
